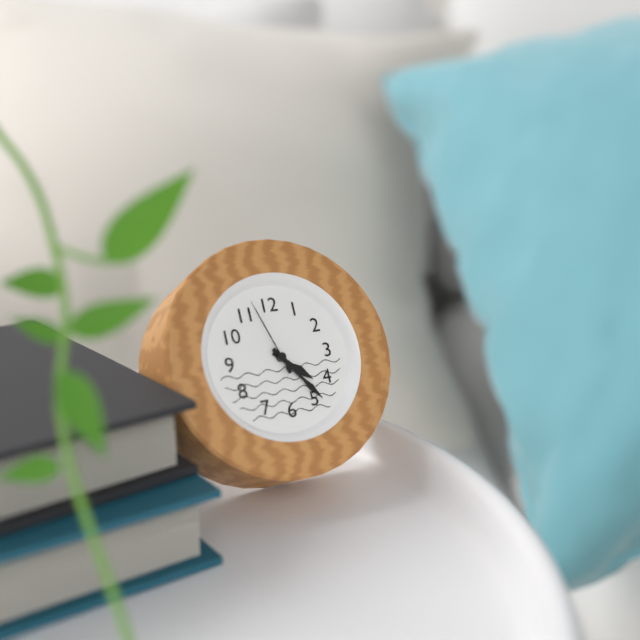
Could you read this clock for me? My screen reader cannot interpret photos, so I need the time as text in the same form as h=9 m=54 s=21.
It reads h=4 m=24 s=57
